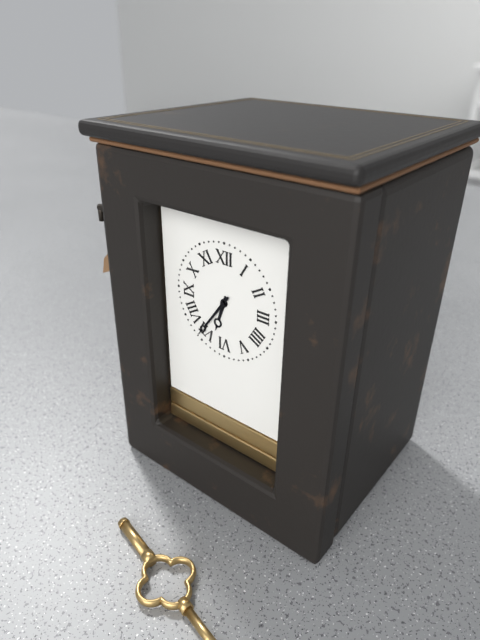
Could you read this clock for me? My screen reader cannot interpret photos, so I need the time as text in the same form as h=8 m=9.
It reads h=6 m=36
